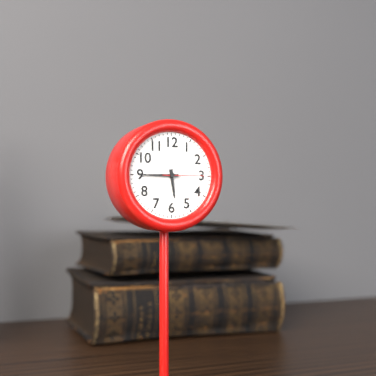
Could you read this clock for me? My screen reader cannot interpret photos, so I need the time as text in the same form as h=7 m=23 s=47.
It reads h=5 m=45 s=15
